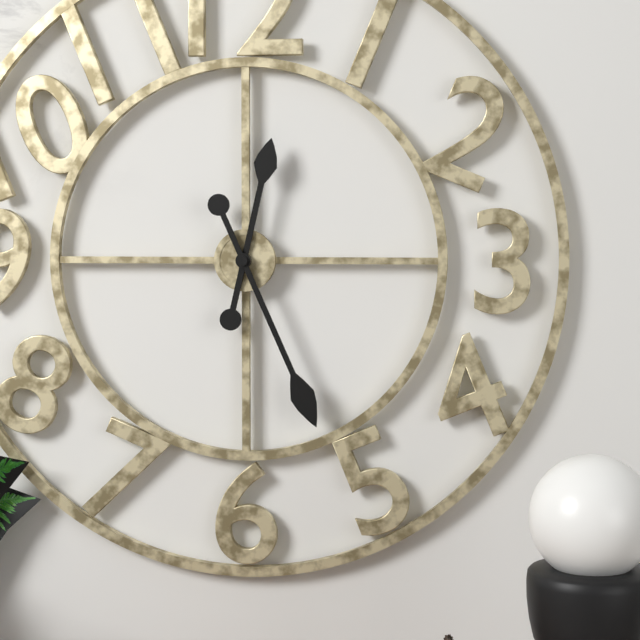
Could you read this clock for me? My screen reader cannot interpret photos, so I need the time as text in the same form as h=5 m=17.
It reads h=12 m=26
